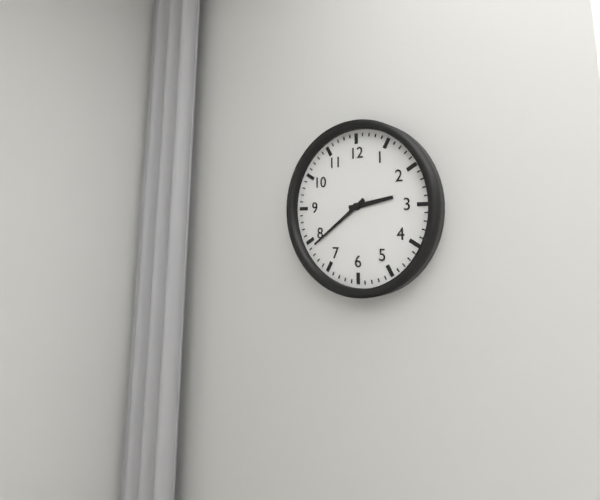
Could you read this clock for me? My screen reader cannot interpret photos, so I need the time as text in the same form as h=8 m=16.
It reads h=2 m=39
